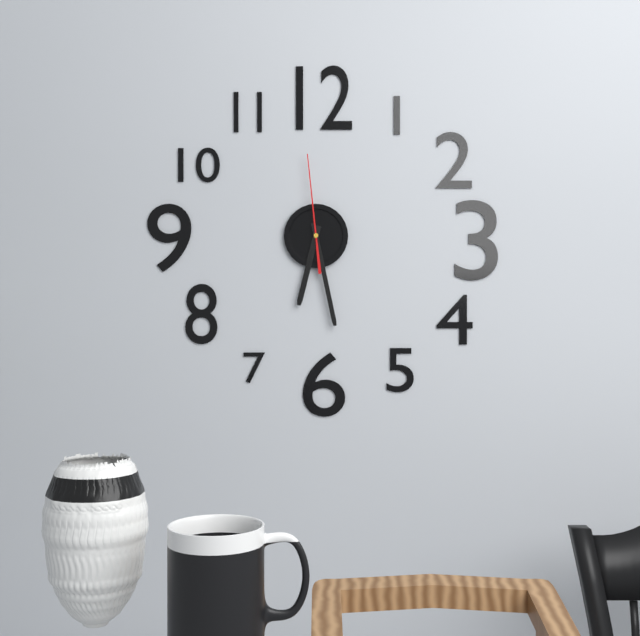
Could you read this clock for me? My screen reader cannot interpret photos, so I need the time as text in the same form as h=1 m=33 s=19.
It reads h=6 m=28 s=59
